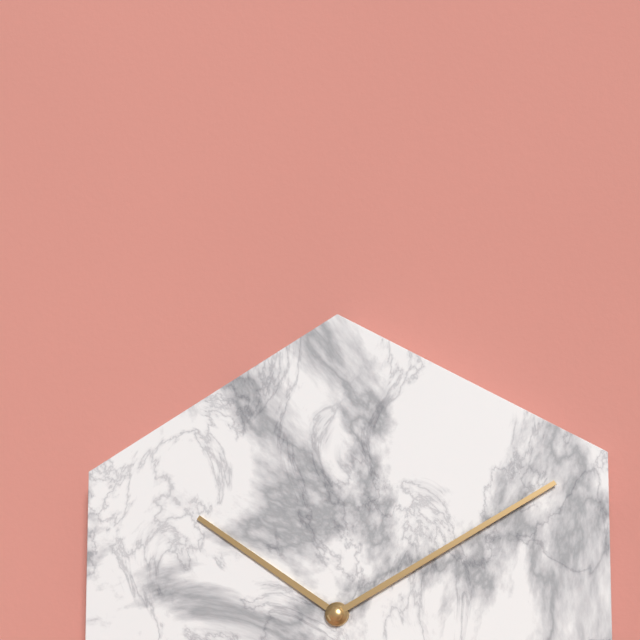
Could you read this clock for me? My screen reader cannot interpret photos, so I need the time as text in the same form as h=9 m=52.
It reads h=10 m=10
